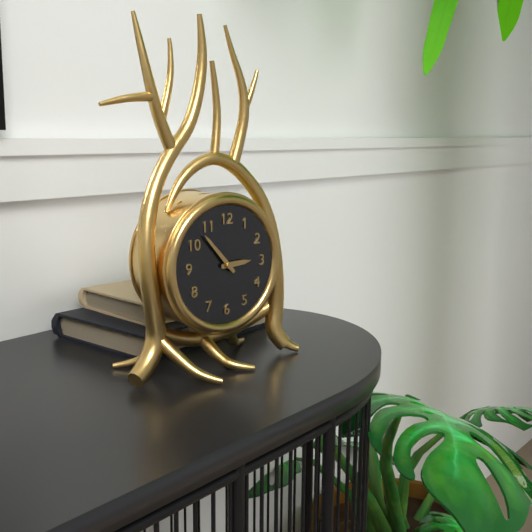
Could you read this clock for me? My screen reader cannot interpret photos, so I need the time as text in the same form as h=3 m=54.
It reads h=2 m=53
